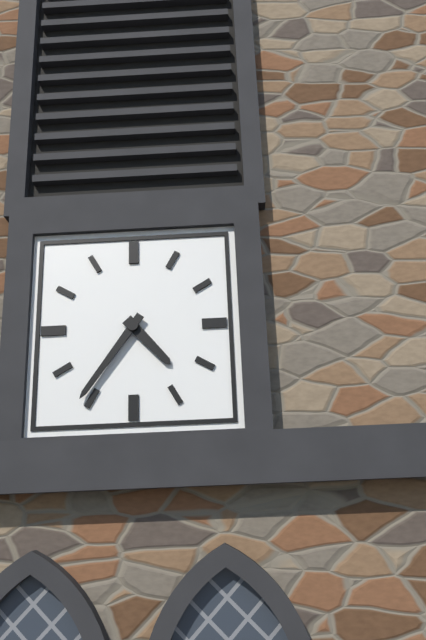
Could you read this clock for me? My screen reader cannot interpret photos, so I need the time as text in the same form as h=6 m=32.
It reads h=4 m=36
